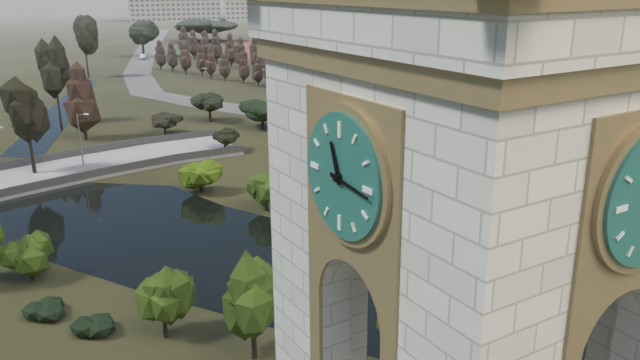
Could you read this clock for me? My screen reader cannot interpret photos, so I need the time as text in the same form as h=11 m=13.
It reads h=11 m=16
